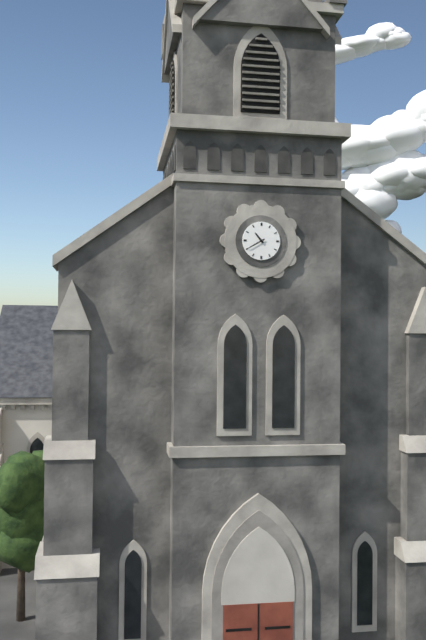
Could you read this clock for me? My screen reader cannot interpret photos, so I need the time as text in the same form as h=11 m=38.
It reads h=10 m=40
